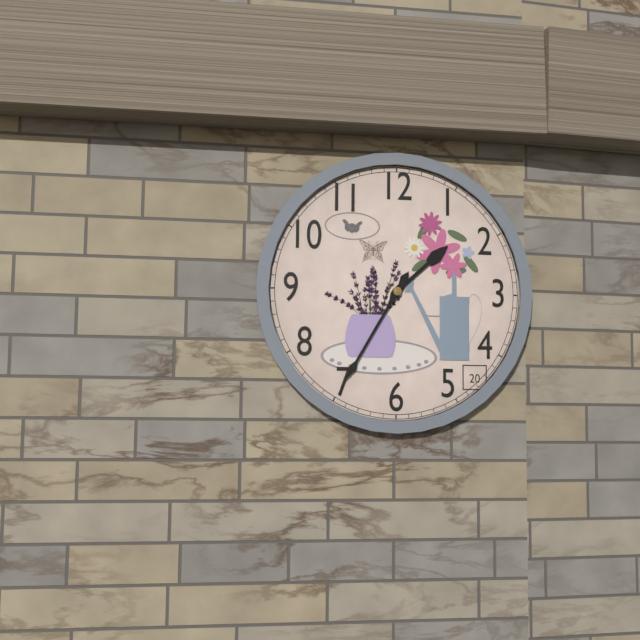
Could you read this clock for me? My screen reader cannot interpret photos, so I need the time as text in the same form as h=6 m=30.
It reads h=1 m=35
